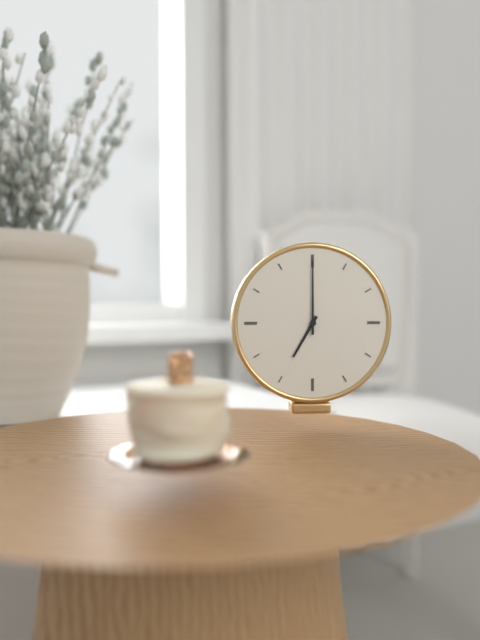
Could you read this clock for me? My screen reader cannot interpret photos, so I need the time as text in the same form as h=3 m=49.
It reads h=7 m=0
